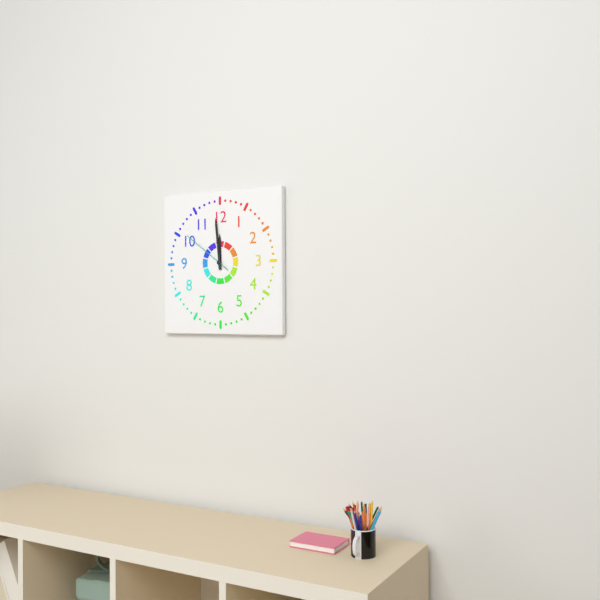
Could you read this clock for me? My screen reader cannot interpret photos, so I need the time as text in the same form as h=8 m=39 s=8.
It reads h=11 m=59 s=51
